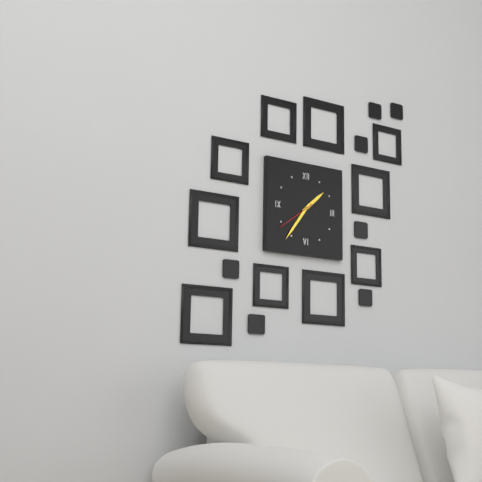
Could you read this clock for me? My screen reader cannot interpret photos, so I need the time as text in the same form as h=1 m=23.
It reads h=1 m=36
